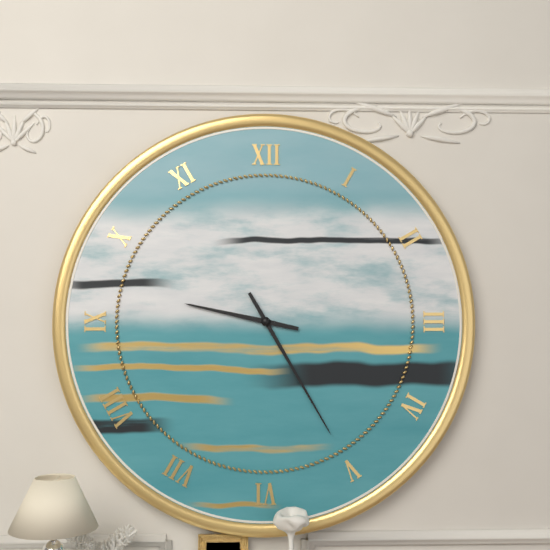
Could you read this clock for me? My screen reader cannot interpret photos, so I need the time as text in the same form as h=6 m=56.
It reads h=9 m=25
